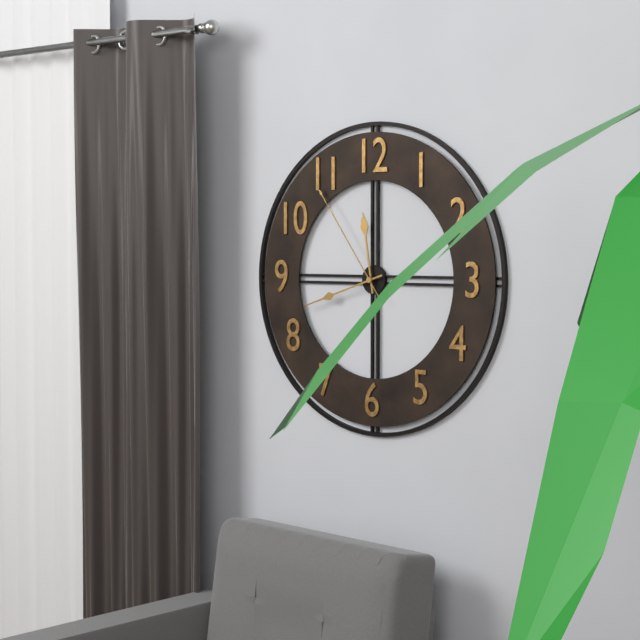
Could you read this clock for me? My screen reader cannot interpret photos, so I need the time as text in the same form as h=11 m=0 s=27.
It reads h=11 m=42 s=54
